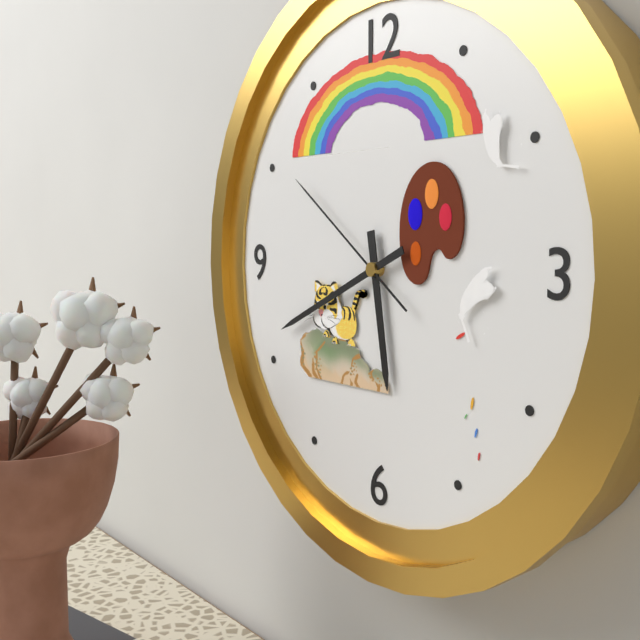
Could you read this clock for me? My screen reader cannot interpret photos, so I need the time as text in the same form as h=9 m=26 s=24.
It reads h=5 m=41 s=51
